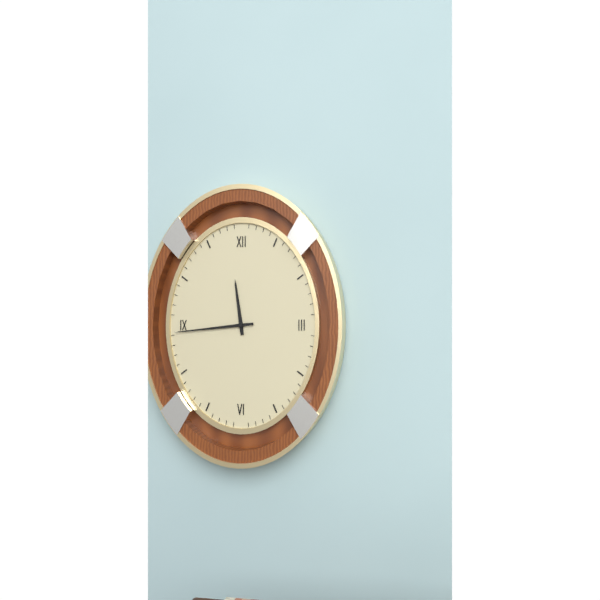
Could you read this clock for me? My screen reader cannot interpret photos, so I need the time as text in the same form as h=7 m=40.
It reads h=11 m=44
